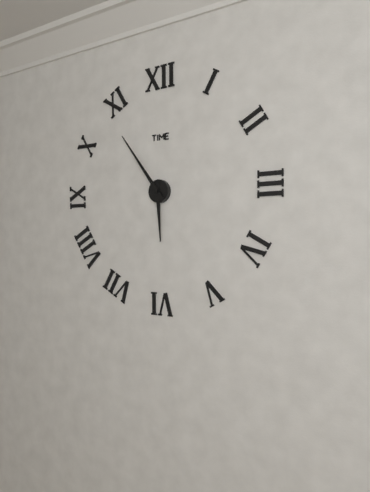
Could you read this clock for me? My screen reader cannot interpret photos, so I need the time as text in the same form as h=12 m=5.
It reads h=5 m=54
